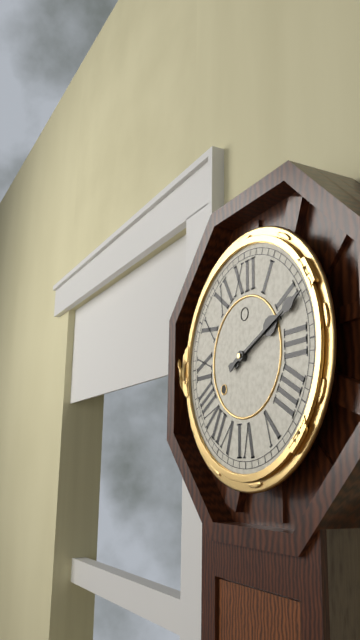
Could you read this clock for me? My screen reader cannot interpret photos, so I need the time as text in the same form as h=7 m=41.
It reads h=2 m=11
